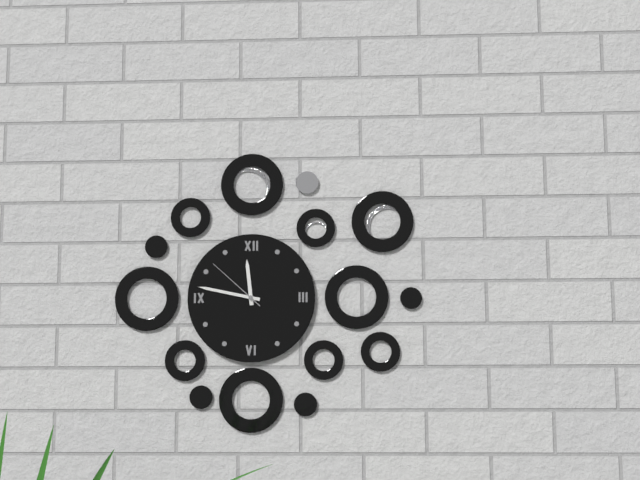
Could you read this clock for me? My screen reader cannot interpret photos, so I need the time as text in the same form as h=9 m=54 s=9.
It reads h=11 m=47 s=52
